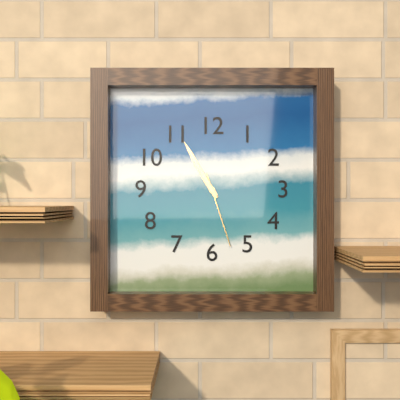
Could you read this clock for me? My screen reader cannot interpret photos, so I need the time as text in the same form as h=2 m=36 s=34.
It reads h=10 m=55 s=27
